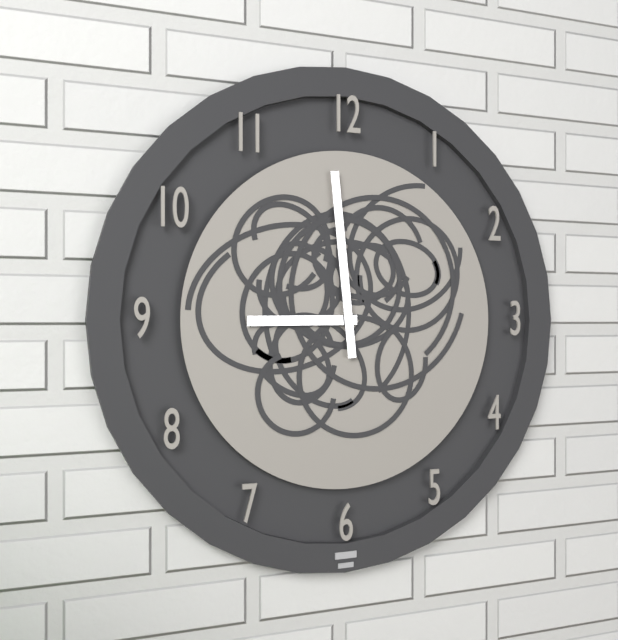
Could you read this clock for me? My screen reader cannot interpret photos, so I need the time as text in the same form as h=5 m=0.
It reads h=8 m=59
